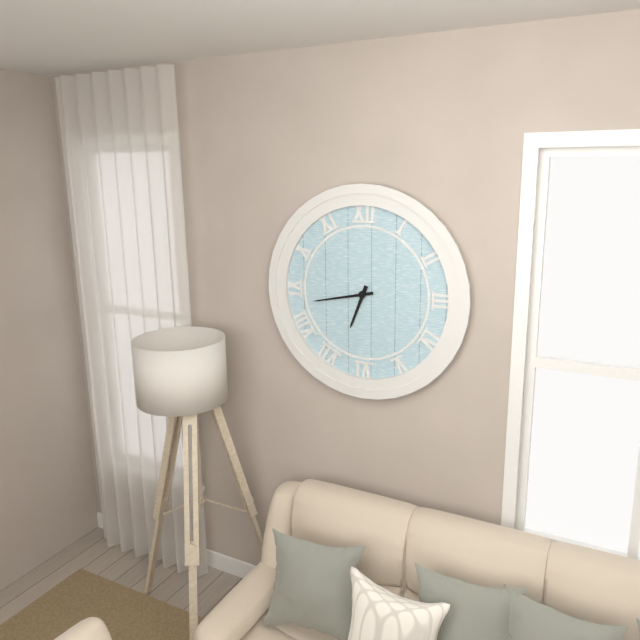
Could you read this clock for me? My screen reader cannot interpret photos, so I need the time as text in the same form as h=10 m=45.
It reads h=6 m=43
